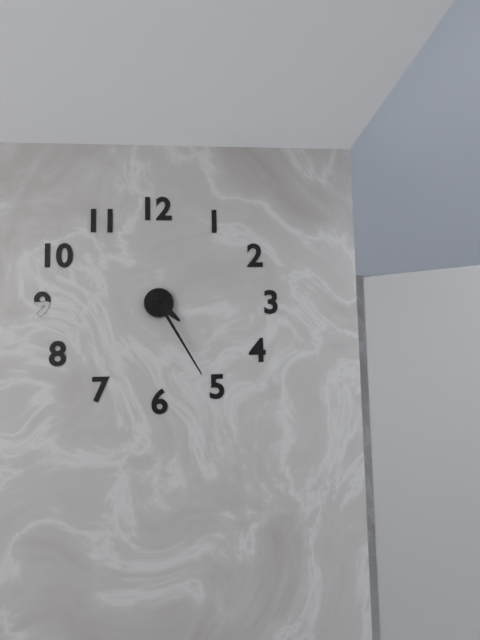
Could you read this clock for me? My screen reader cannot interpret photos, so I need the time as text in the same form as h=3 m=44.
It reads h=4 m=25
